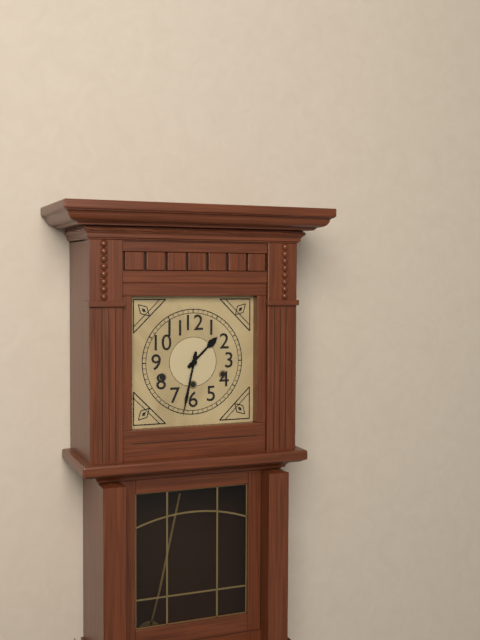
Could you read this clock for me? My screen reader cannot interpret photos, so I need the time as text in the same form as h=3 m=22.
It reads h=1 m=32
